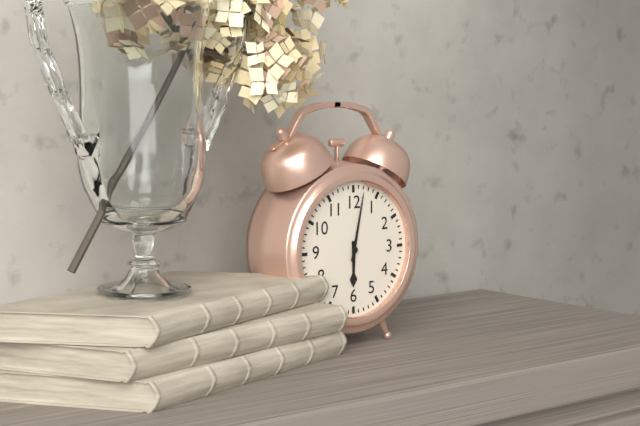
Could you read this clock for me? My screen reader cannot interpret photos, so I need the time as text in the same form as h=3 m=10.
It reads h=6 m=2
